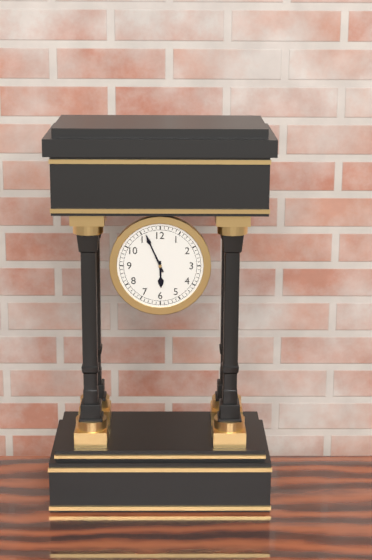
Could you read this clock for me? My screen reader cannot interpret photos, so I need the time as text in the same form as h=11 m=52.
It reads h=5 m=56
